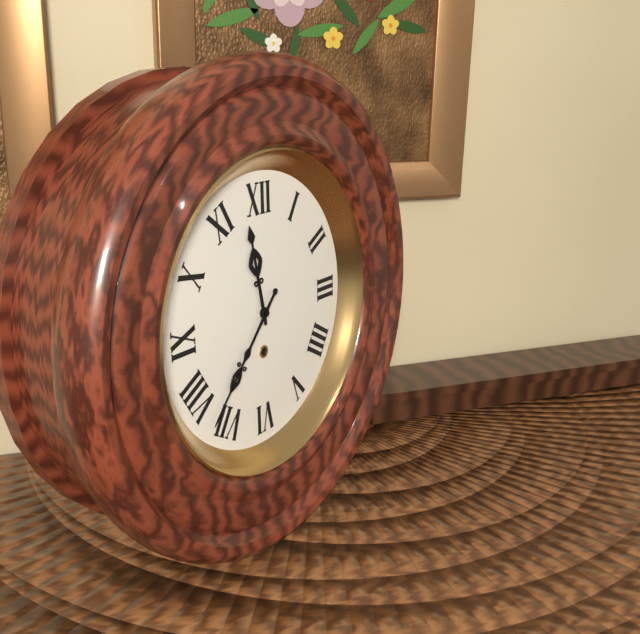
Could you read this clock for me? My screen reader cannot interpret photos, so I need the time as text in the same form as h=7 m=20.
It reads h=11 m=37
